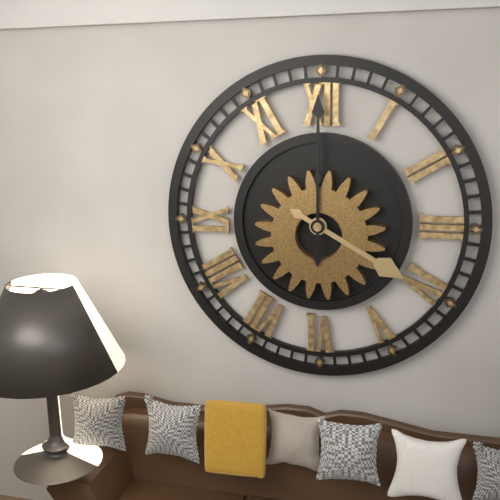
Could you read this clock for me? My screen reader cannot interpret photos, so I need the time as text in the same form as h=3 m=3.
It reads h=4 m=0
